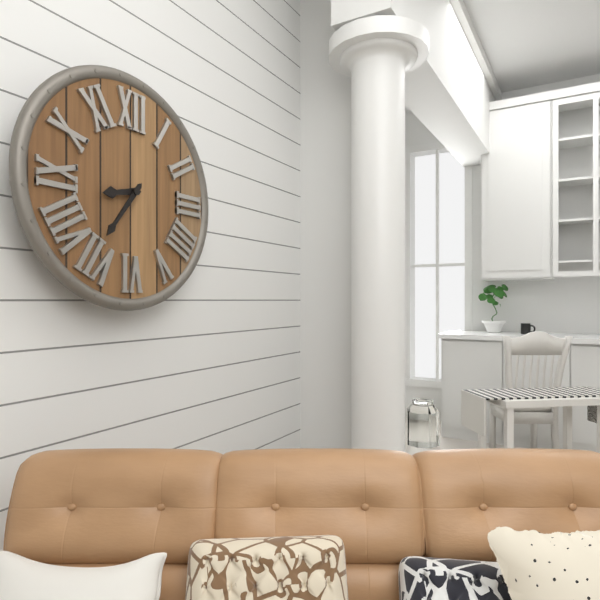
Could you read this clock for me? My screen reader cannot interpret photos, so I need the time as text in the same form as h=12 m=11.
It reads h=8 m=36
